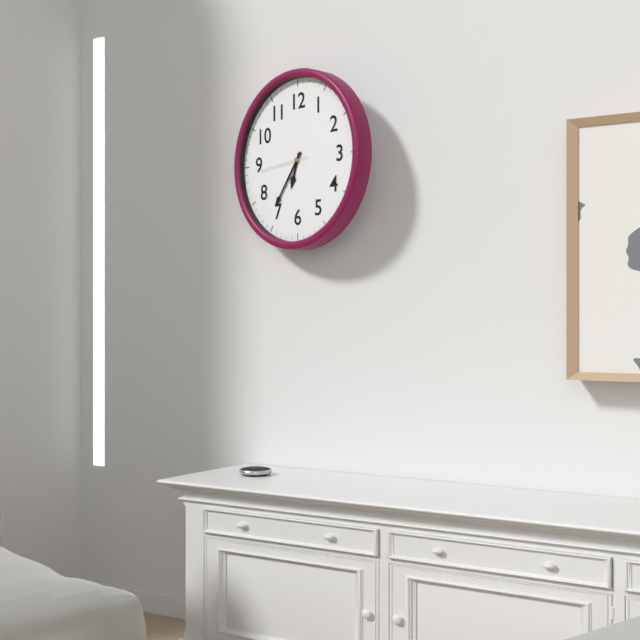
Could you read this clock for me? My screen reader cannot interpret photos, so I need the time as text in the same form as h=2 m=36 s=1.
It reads h=6 m=36 s=44
